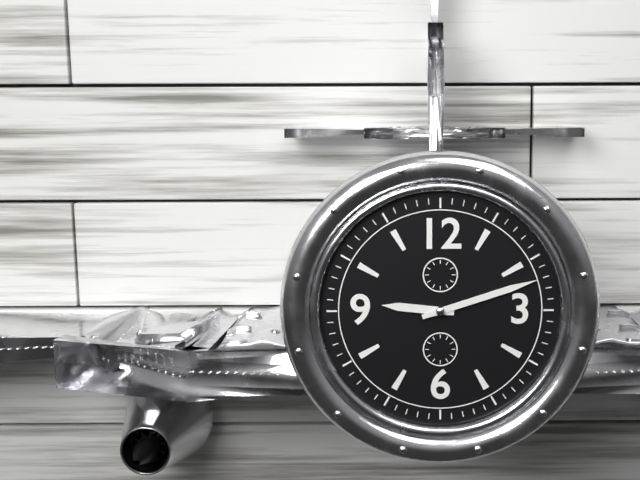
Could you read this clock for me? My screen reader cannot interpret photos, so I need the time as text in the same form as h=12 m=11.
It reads h=9 m=12
